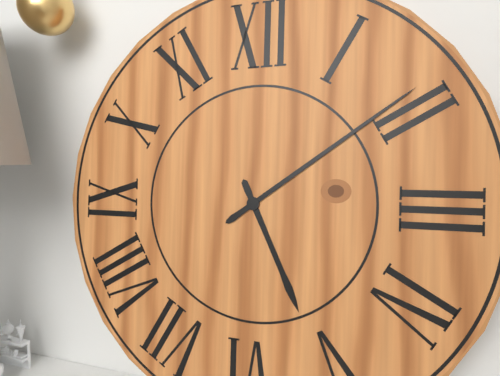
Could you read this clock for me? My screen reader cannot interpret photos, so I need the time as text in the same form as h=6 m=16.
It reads h=5 m=9
